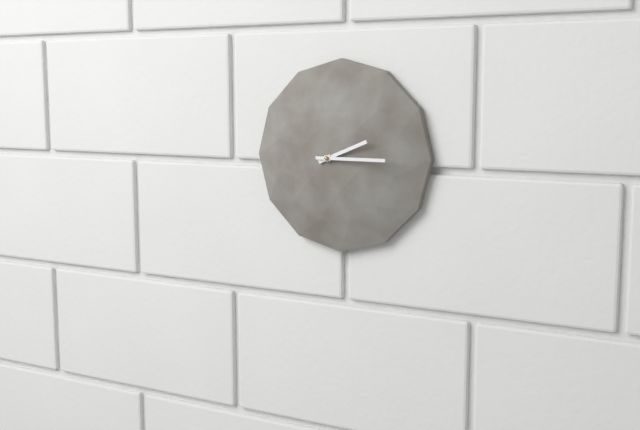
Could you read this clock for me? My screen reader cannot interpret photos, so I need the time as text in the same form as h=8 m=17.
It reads h=2 m=15
